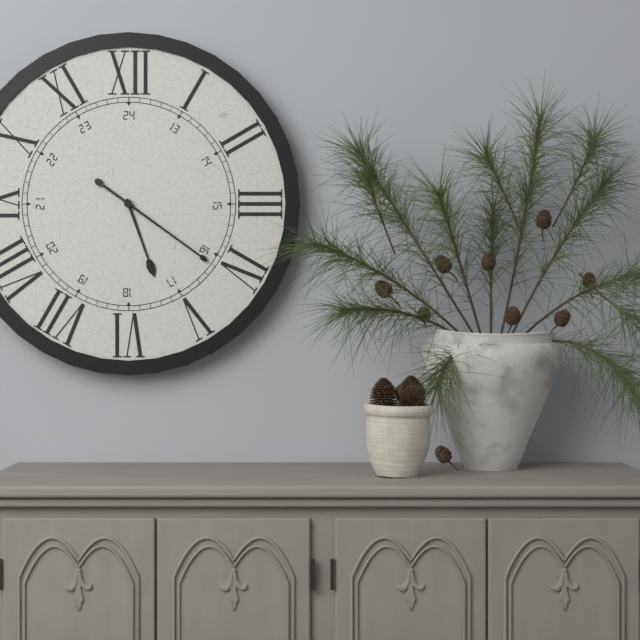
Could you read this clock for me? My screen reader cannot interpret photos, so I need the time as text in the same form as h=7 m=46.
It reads h=5 m=21
